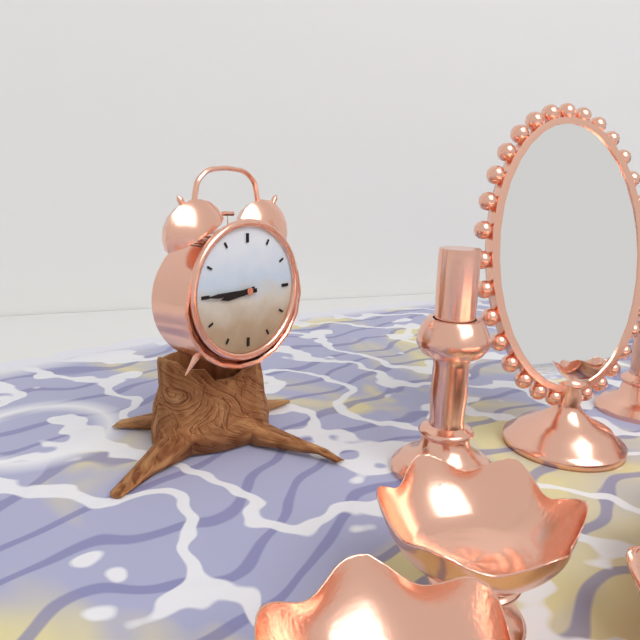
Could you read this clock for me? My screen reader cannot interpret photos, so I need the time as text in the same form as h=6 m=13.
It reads h=8 m=45
